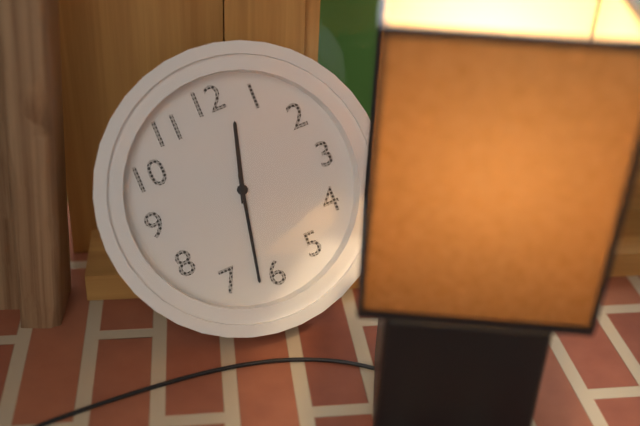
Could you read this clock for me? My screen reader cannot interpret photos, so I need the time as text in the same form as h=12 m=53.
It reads h=12 m=32
